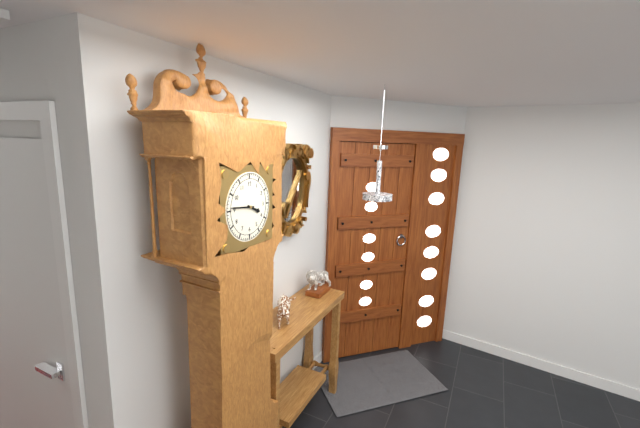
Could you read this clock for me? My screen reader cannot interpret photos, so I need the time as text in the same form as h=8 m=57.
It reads h=3 m=46
